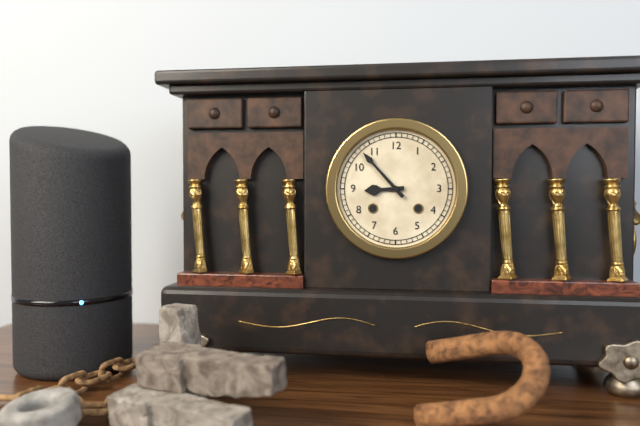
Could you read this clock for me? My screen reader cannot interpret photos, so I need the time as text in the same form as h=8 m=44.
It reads h=8 m=53
